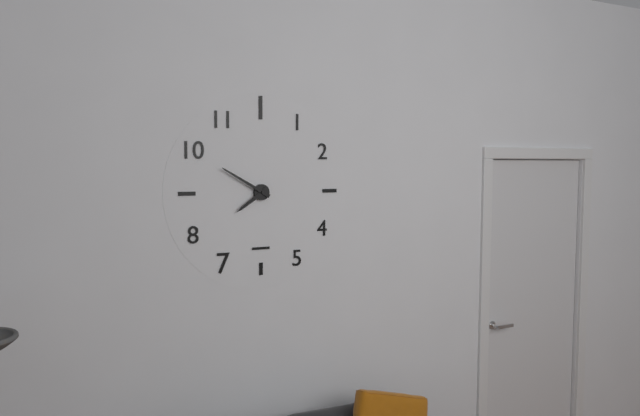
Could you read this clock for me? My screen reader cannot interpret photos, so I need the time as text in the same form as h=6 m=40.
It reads h=7 m=50
